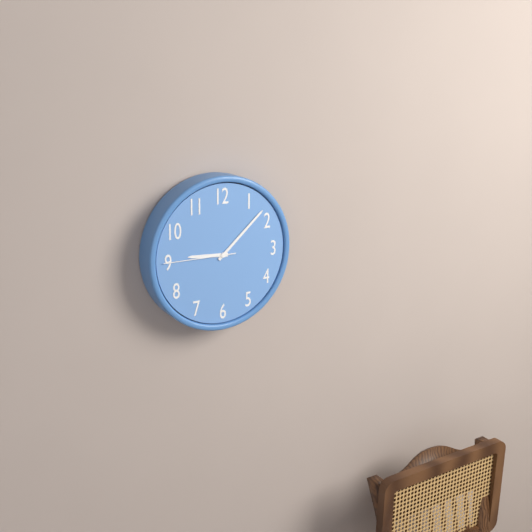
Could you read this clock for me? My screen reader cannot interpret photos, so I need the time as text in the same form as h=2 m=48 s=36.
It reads h=9 m=8 s=45
